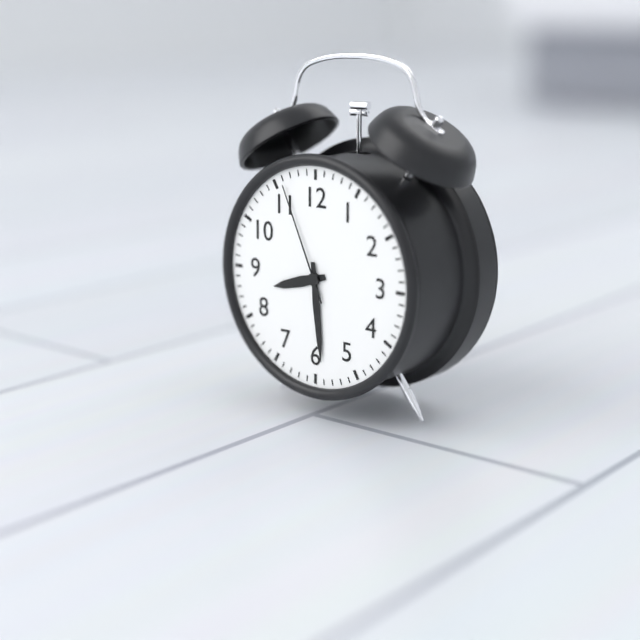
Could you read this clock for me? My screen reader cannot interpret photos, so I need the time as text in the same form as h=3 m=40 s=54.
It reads h=8 m=29 s=56
